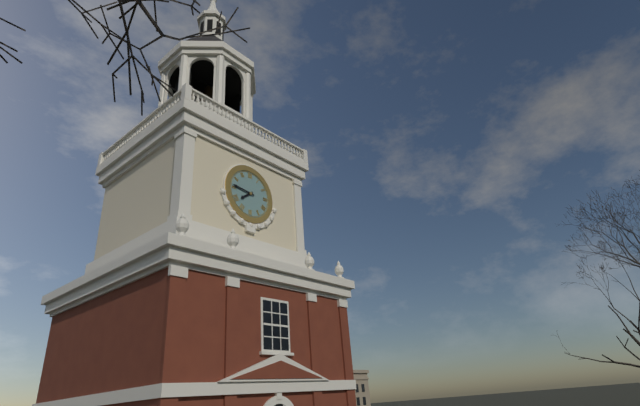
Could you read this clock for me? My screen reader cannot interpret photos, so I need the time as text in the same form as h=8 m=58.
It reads h=7 m=46
